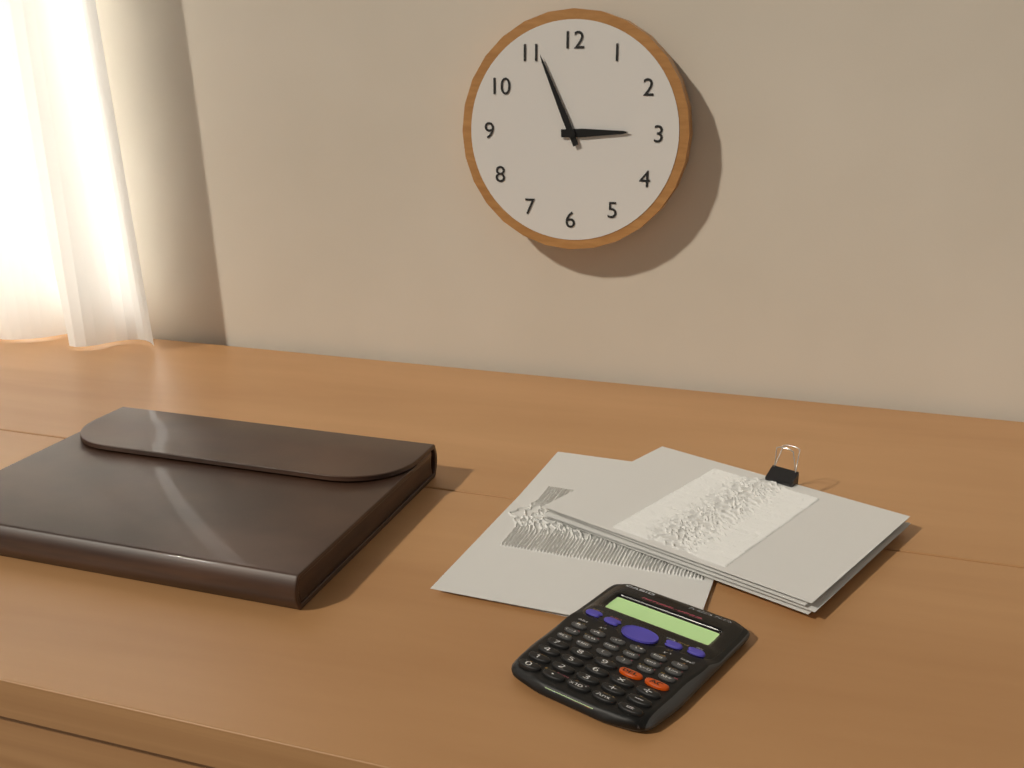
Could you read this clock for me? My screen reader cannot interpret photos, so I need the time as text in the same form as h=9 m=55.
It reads h=2 m=56
